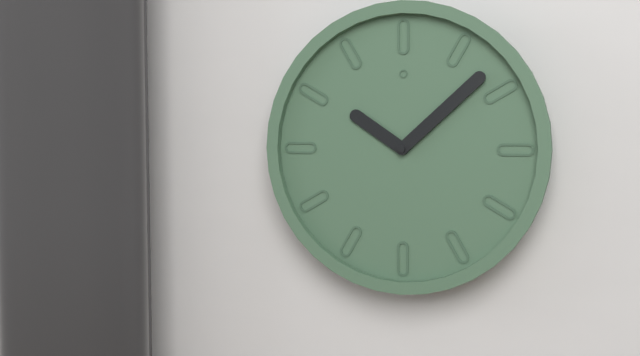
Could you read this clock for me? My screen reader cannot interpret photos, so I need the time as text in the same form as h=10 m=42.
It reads h=10 m=8
